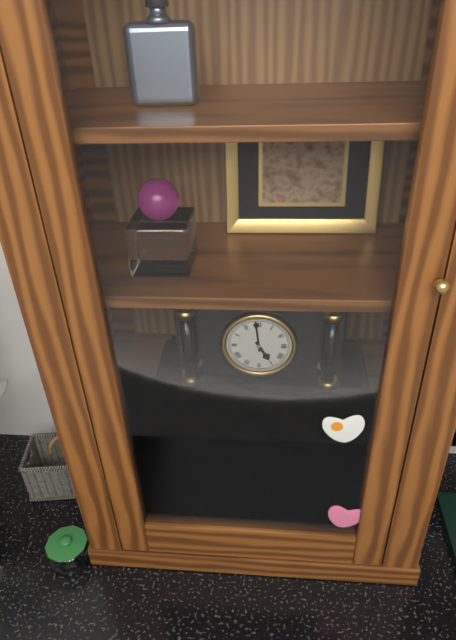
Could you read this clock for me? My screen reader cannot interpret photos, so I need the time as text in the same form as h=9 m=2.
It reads h=4 m=59
